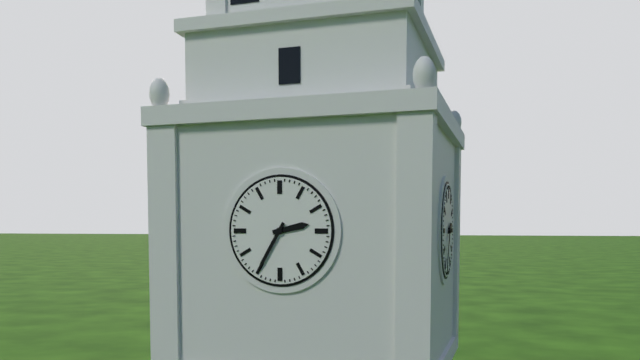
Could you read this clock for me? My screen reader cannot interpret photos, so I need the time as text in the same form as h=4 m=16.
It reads h=2 m=35
